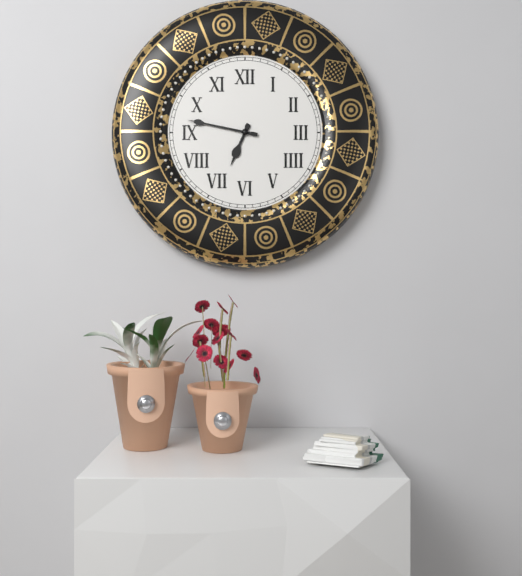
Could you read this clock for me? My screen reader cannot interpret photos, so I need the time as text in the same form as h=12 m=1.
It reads h=6 m=47
